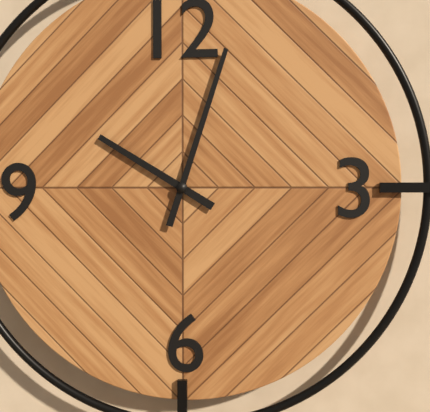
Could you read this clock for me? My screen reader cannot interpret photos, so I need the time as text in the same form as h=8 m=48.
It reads h=10 m=3
